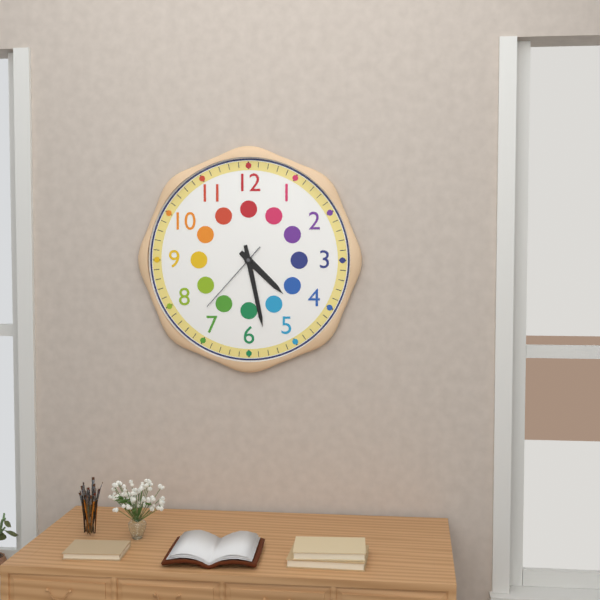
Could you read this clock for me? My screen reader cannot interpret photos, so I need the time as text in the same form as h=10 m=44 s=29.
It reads h=4 m=28 s=37
